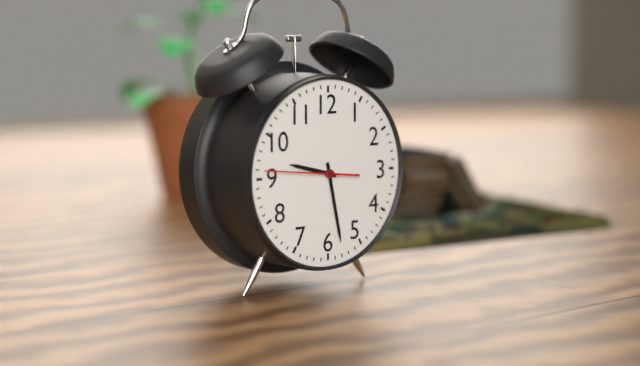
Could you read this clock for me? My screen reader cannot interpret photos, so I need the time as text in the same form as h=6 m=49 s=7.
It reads h=9 m=28 s=46
